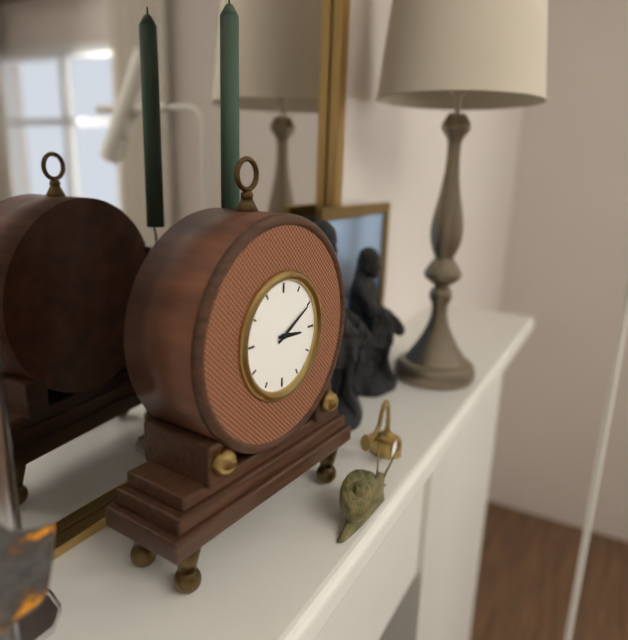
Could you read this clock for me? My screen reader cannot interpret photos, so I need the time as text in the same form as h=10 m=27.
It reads h=3 m=10
